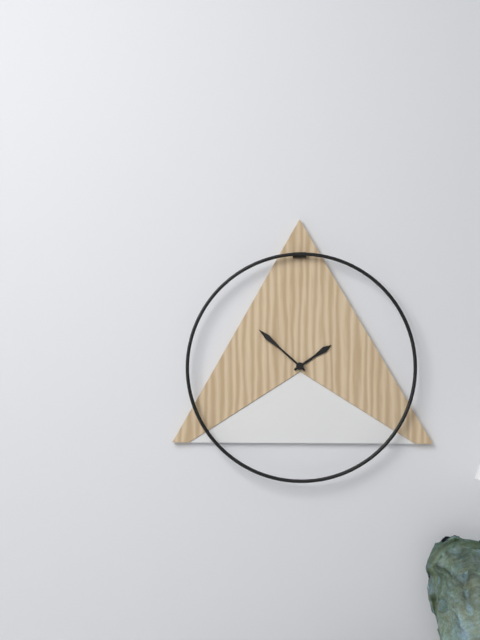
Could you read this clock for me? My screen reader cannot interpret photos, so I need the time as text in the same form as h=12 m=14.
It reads h=1 m=52
